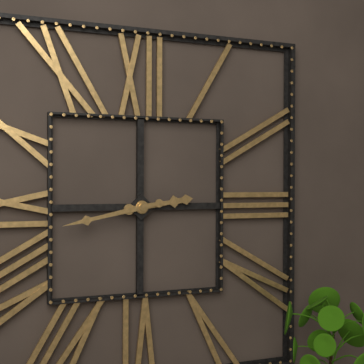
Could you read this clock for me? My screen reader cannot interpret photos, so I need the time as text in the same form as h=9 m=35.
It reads h=2 m=43
